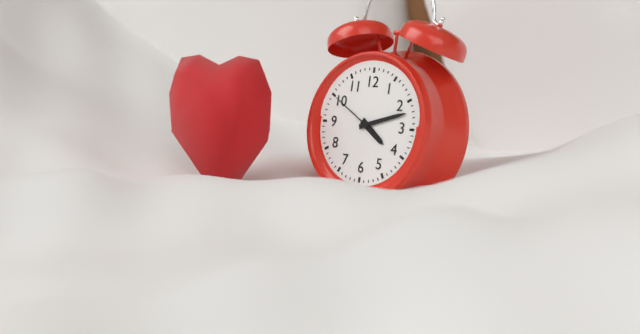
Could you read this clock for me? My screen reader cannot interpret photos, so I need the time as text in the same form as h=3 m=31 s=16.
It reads h=4 m=12 s=50
